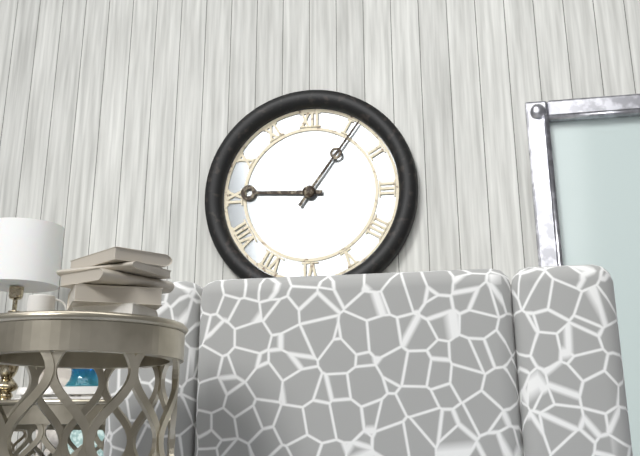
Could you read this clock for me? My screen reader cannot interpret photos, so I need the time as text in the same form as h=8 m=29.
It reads h=9 m=6
